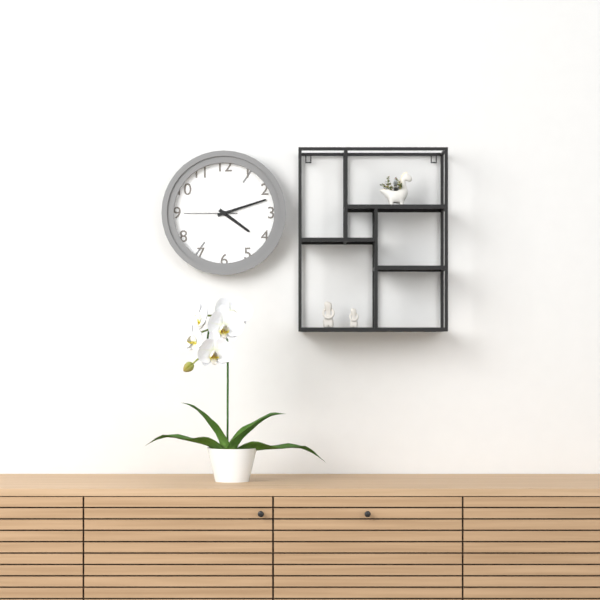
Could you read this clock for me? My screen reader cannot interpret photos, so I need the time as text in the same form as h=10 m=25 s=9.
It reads h=4 m=12 s=45
